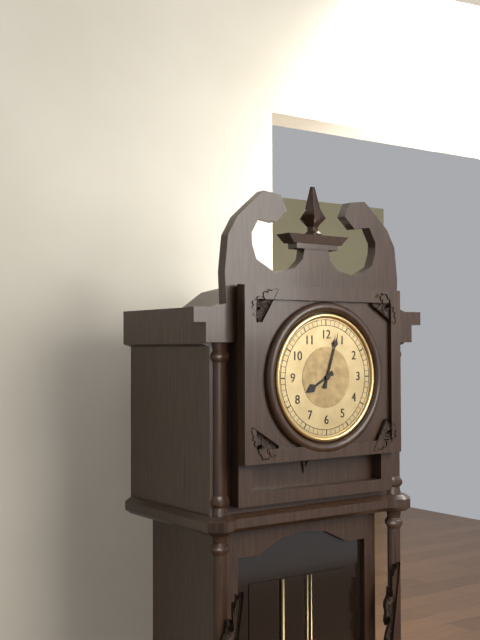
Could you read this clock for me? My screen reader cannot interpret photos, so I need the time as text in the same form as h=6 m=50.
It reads h=8 m=3
